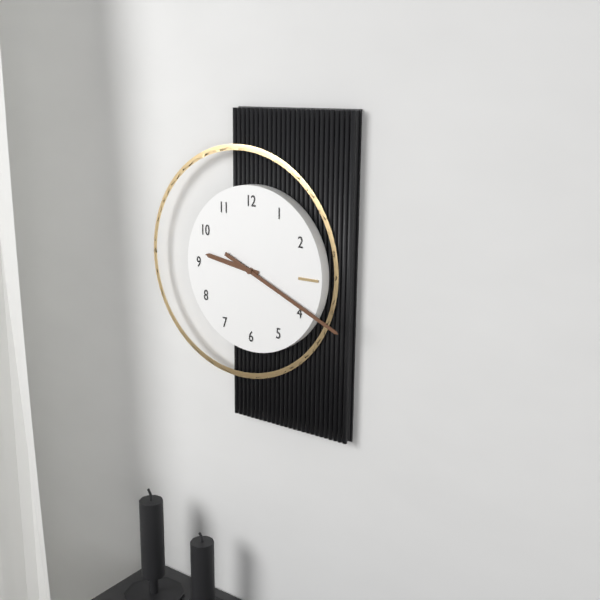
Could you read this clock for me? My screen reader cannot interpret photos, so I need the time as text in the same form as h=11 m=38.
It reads h=9 m=19
